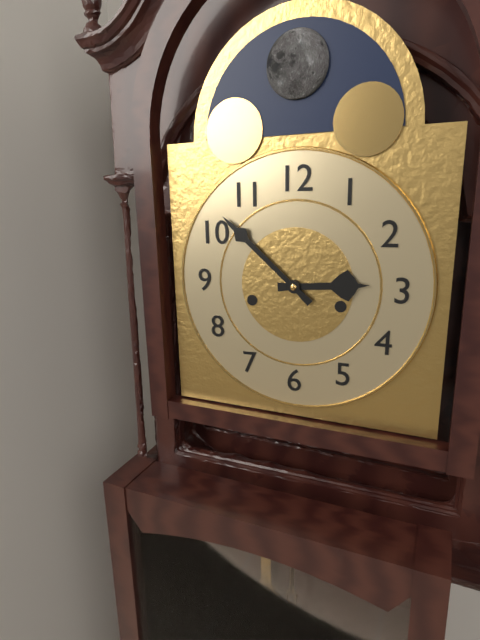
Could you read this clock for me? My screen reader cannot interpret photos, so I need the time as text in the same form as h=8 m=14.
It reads h=2 m=52
